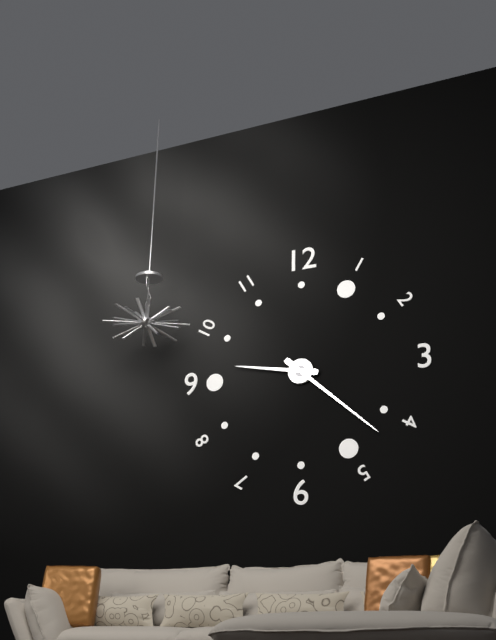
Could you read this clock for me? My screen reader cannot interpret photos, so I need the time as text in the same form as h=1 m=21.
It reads h=9 m=22
